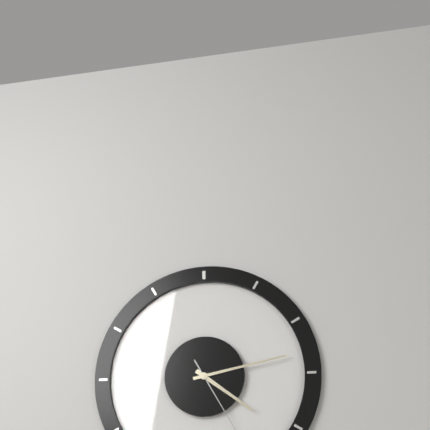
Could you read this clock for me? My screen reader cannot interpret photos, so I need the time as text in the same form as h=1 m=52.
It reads h=4 m=13
